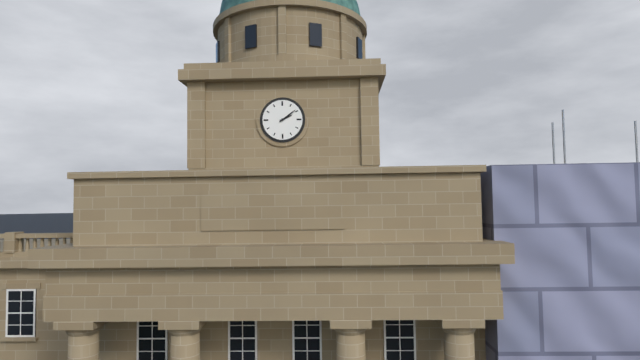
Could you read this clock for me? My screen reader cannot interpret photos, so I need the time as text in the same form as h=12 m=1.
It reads h=2 m=9
